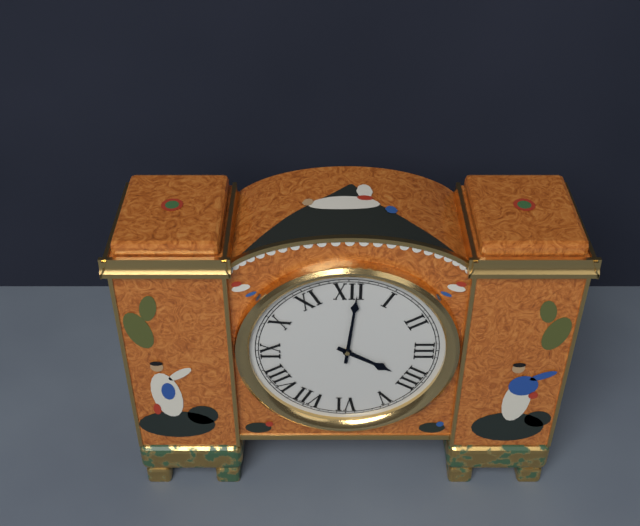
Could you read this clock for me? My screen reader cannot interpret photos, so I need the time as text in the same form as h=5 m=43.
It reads h=4 m=1
